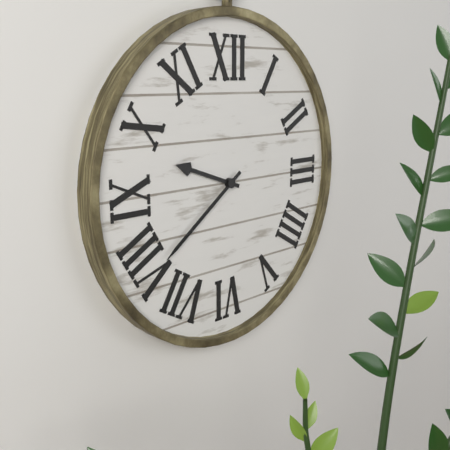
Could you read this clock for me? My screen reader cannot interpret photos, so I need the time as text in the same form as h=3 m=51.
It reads h=9 m=39
